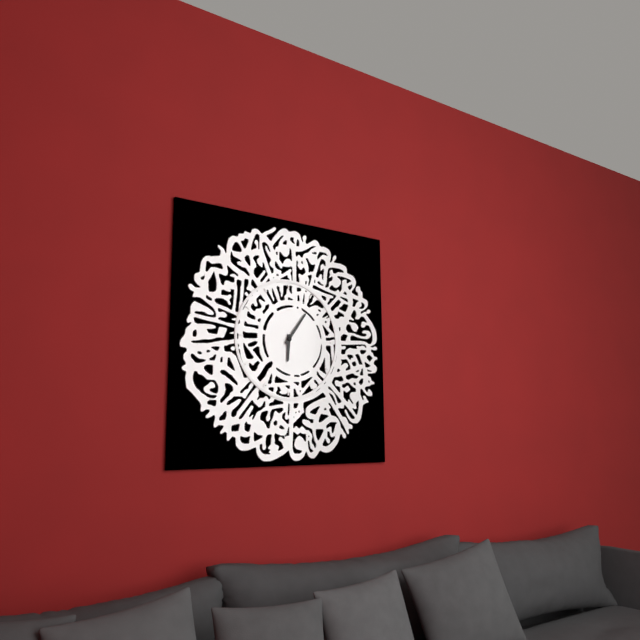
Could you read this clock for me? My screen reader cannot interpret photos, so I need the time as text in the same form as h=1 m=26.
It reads h=6 m=6
